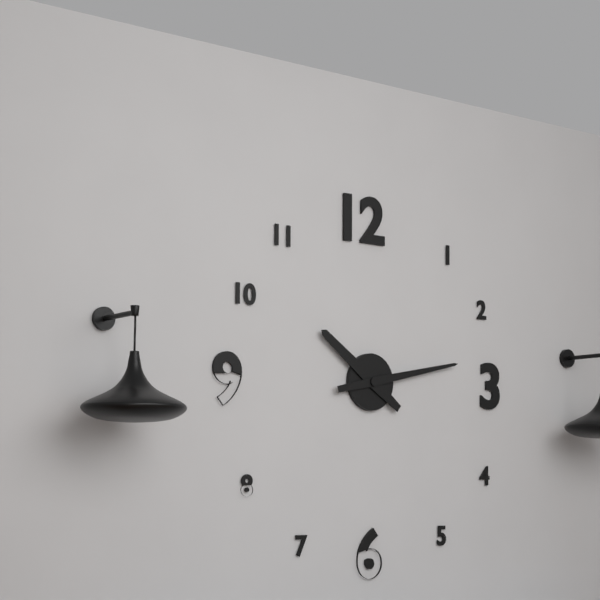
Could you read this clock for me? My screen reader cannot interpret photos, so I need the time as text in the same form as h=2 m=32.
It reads h=10 m=13
